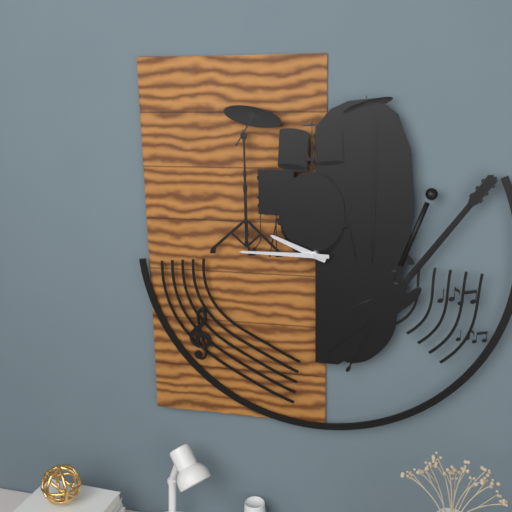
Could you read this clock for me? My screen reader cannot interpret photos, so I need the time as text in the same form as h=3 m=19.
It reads h=9 m=45
